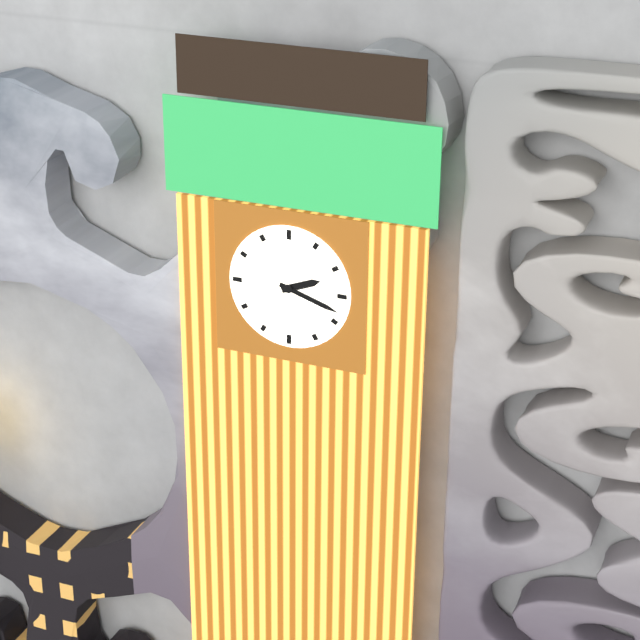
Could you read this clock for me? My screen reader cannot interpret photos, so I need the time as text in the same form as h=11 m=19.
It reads h=2 m=18
